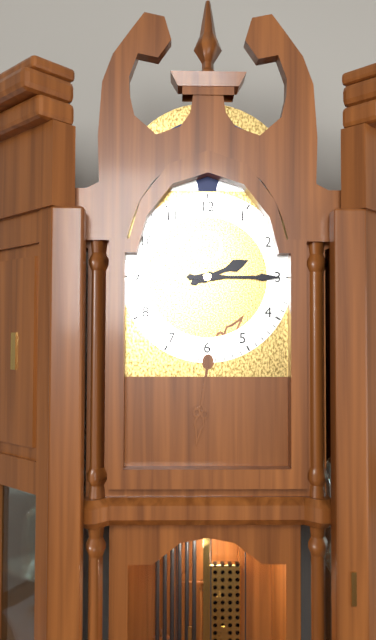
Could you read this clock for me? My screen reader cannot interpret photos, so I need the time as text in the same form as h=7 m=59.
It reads h=2 m=15
